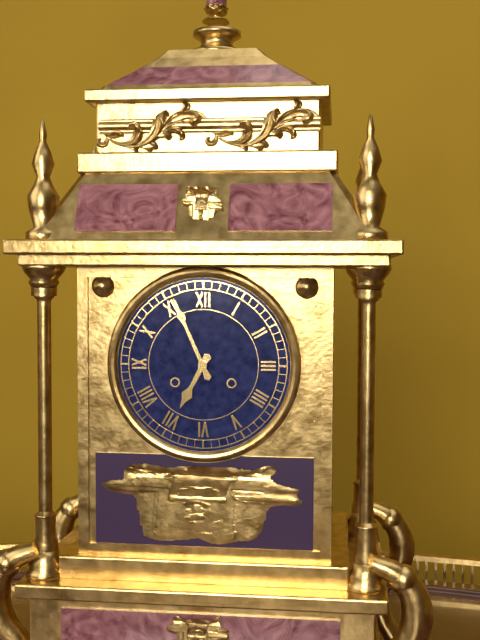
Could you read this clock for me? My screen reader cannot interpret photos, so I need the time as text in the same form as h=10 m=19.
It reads h=6 m=56
